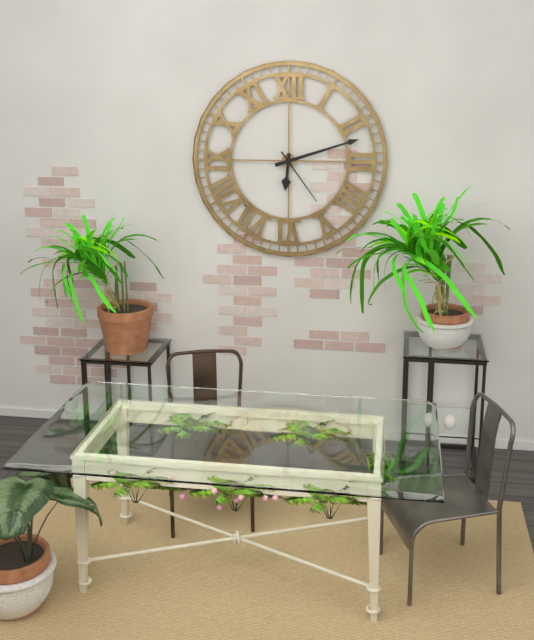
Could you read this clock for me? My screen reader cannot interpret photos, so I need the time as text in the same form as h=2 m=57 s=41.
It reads h=6 m=12 s=24
